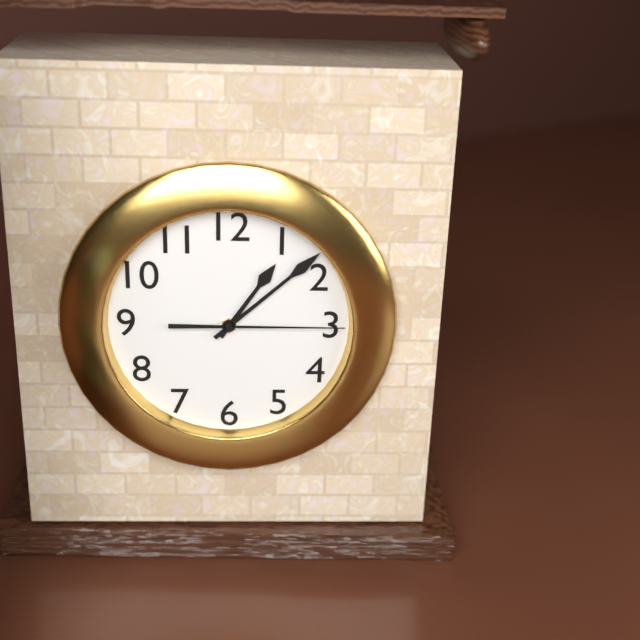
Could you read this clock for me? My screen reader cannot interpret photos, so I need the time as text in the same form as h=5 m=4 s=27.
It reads h=1 m=8 s=15
